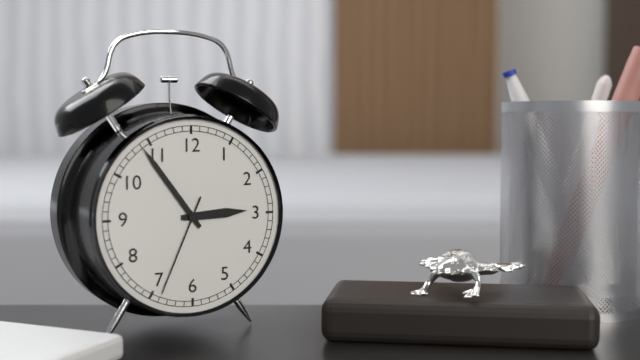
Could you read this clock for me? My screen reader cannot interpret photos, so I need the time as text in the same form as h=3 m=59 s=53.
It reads h=2 m=54 s=34
